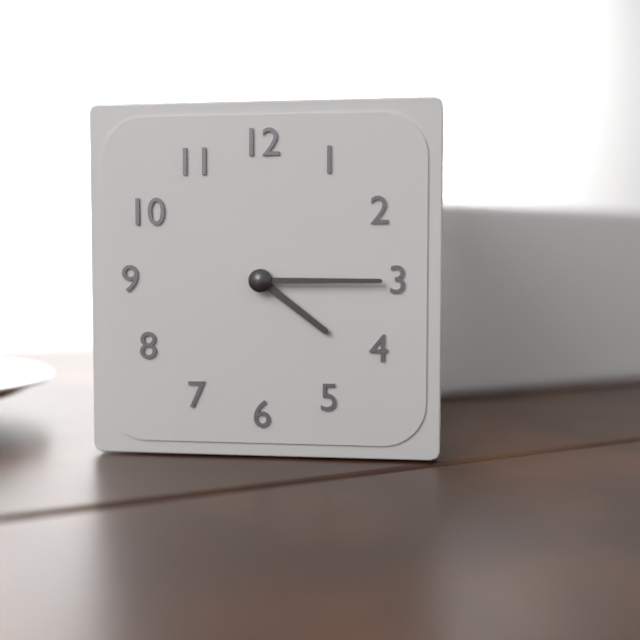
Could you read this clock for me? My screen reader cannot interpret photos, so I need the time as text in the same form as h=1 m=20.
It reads h=4 m=15
